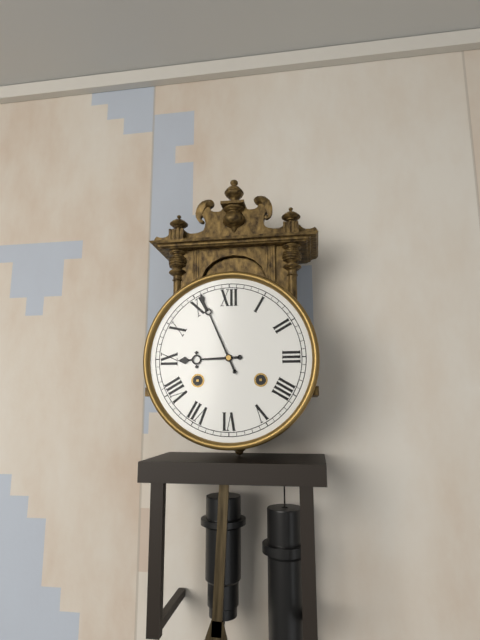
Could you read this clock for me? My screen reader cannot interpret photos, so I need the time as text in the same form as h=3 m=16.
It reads h=8 m=56
